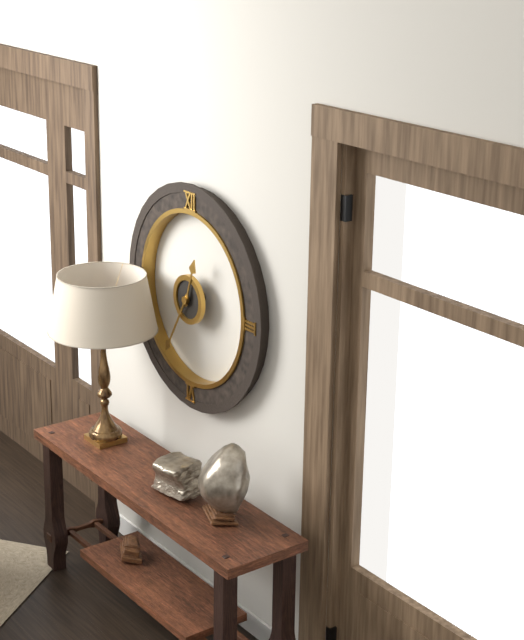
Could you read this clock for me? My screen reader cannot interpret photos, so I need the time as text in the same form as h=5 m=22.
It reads h=12 m=35
